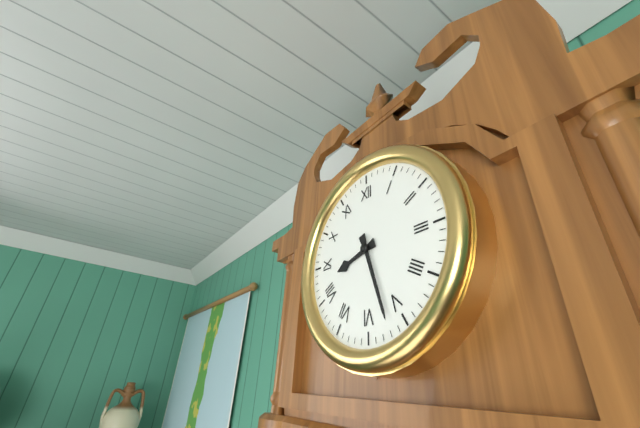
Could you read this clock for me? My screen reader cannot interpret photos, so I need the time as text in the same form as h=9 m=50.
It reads h=8 m=27
